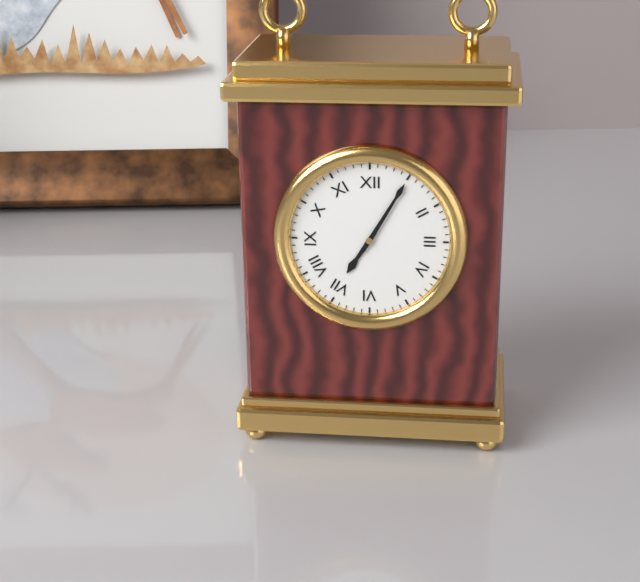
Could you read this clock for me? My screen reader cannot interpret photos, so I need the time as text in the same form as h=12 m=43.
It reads h=7 m=5
